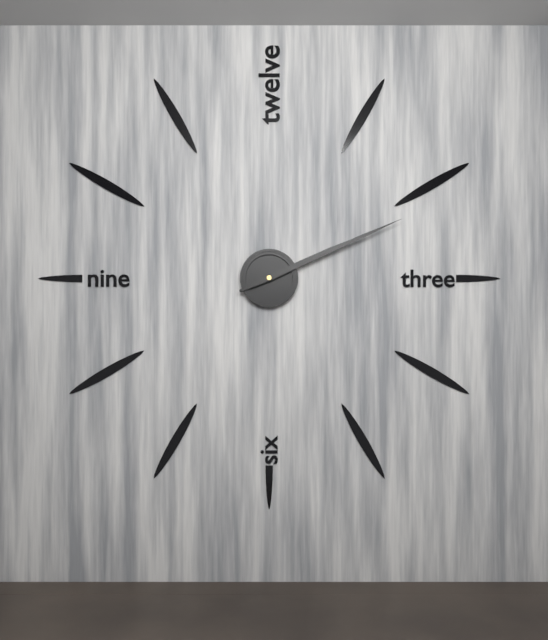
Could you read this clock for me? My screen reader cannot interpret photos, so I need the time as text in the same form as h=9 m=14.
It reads h=2 m=11
